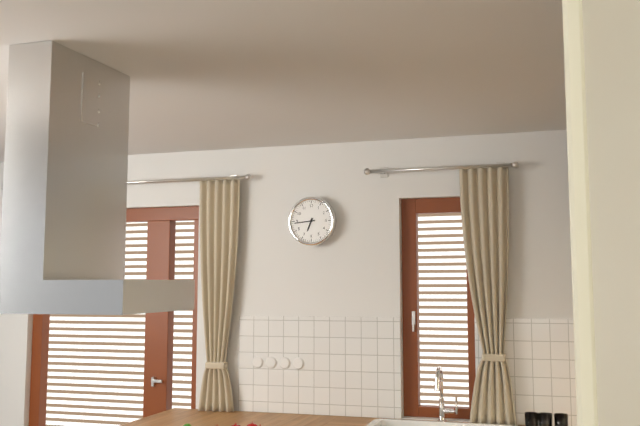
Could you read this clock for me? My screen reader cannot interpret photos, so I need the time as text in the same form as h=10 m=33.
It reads h=6 m=44
